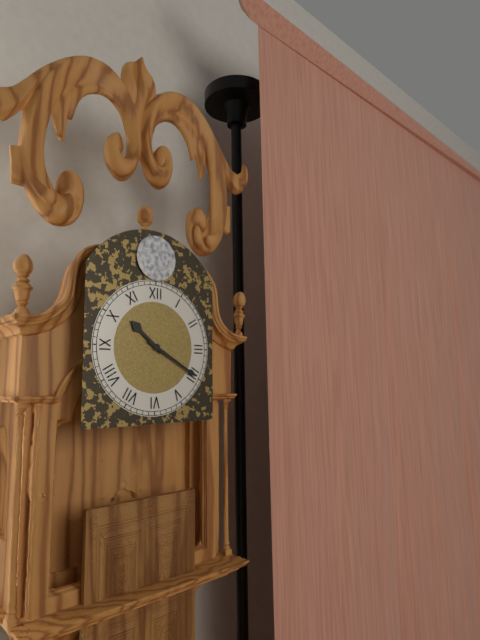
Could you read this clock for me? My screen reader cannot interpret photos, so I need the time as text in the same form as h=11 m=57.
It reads h=10 m=20
